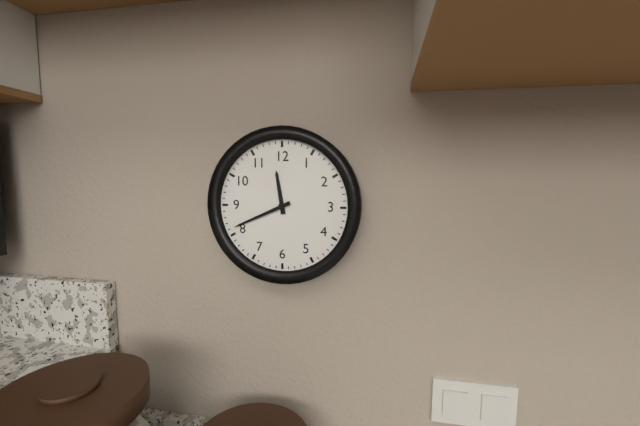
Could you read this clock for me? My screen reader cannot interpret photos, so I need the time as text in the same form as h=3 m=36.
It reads h=11 m=41
